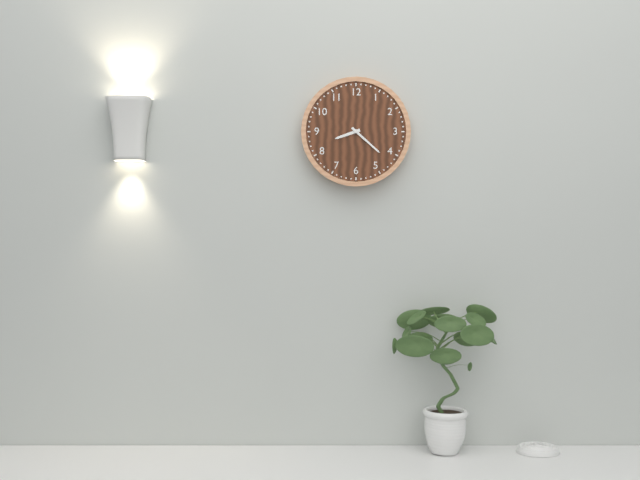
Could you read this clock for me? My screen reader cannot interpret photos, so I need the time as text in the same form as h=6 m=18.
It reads h=8 m=22
